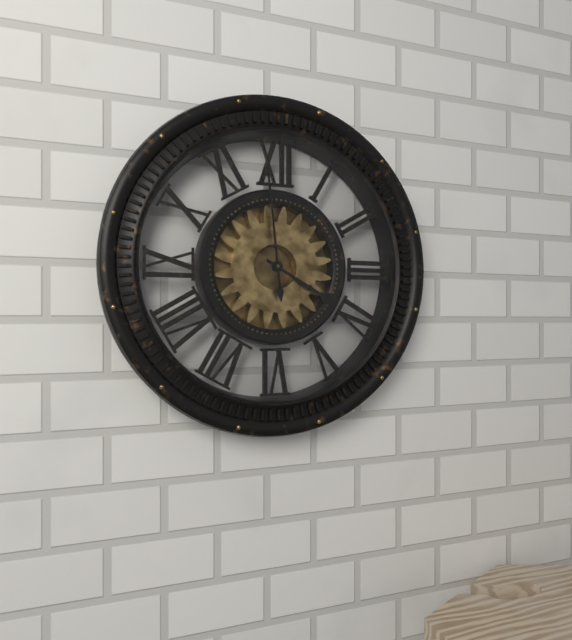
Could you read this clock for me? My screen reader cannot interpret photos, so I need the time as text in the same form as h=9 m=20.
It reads h=3 m=59
